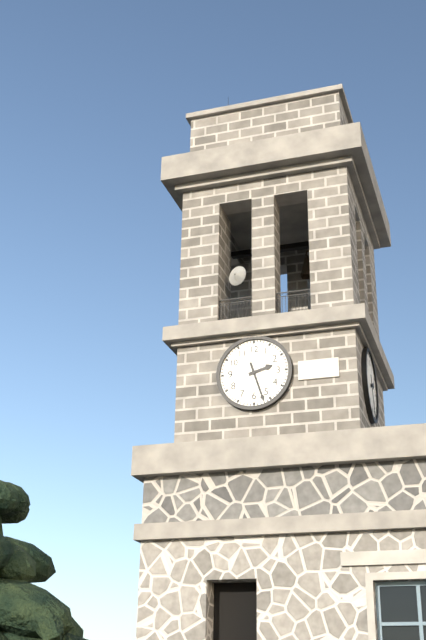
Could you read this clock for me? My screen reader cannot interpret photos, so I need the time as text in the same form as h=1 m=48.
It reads h=2 m=27
